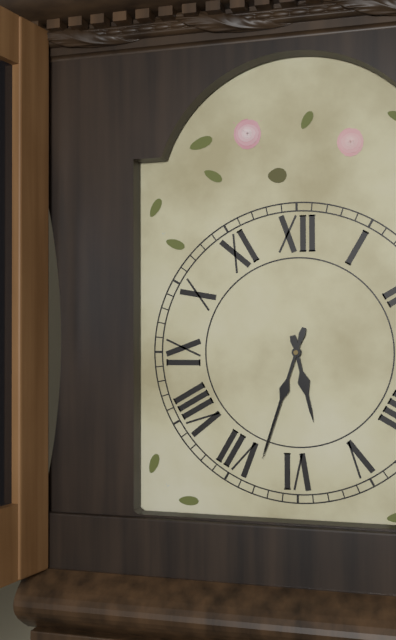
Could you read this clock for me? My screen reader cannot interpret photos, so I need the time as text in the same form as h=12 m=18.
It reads h=5 m=33
